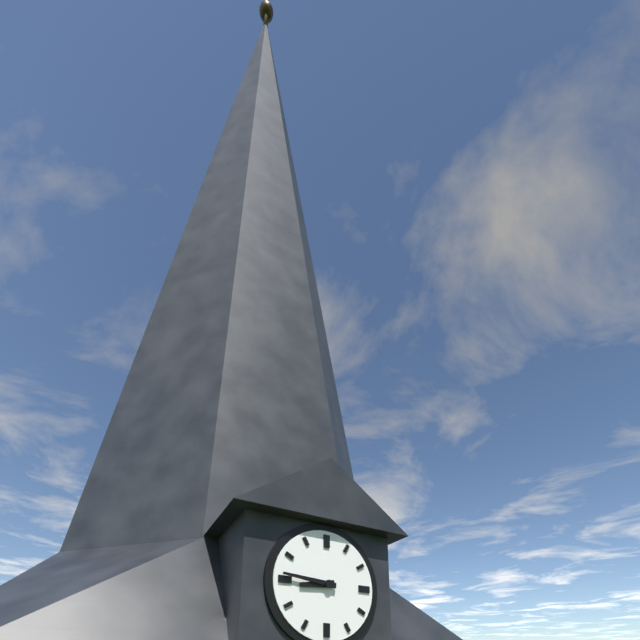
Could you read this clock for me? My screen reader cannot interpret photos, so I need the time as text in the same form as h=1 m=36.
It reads h=8 m=46
